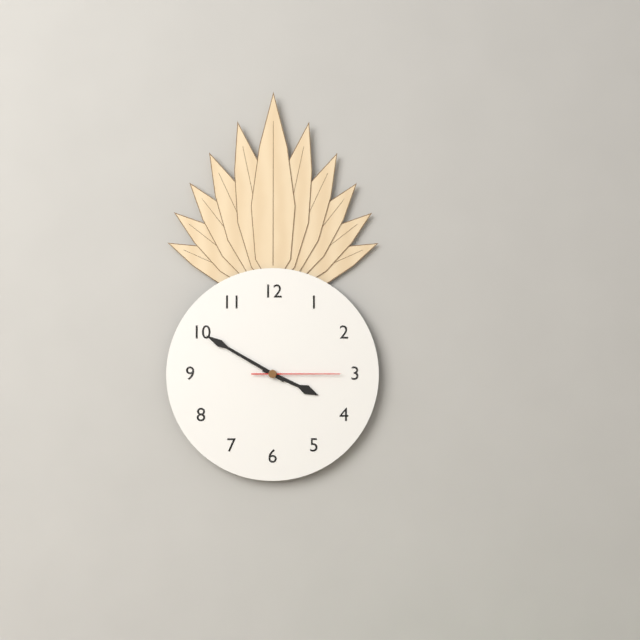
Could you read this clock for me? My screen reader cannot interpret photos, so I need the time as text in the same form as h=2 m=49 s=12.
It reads h=3 m=50 s=15
